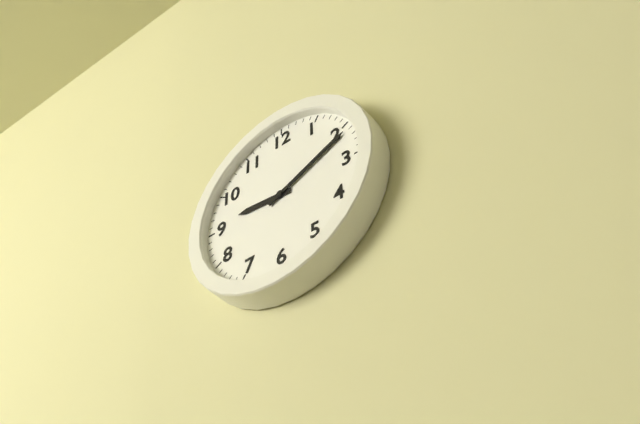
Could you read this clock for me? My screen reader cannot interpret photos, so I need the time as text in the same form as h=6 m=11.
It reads h=9 m=11
